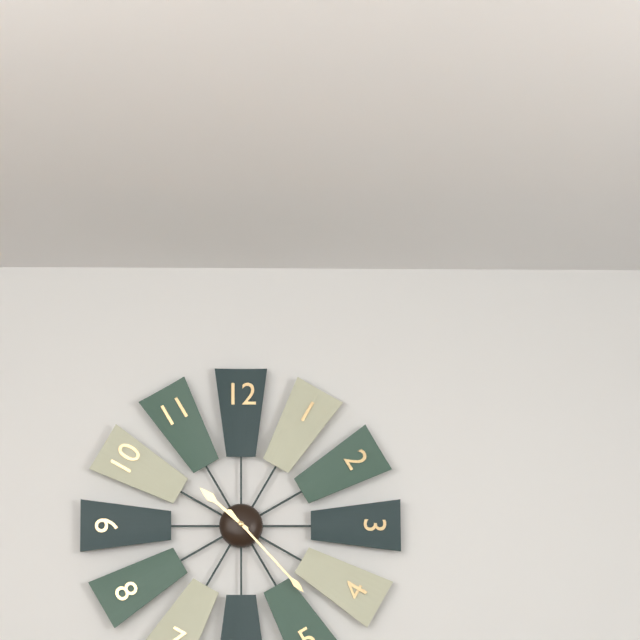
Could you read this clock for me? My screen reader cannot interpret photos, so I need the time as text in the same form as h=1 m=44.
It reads h=10 m=23
